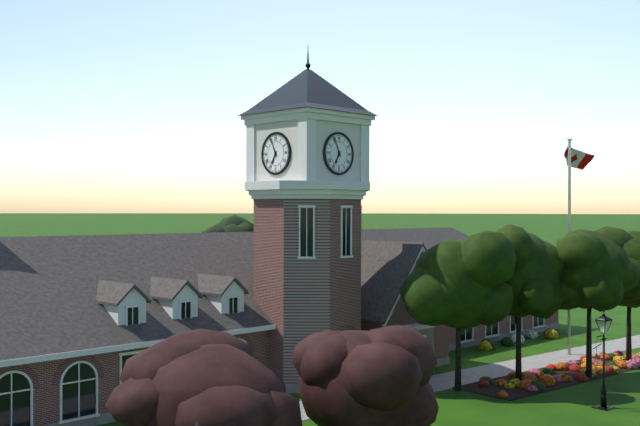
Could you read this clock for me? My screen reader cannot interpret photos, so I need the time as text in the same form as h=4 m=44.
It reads h=6 m=56
